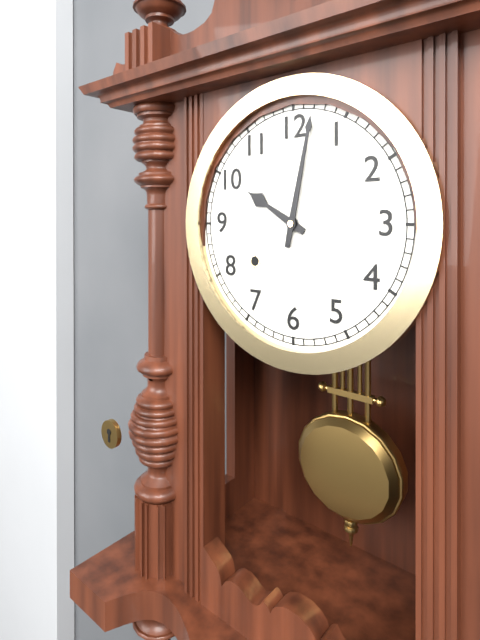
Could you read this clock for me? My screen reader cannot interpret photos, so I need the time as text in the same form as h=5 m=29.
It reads h=10 m=2
